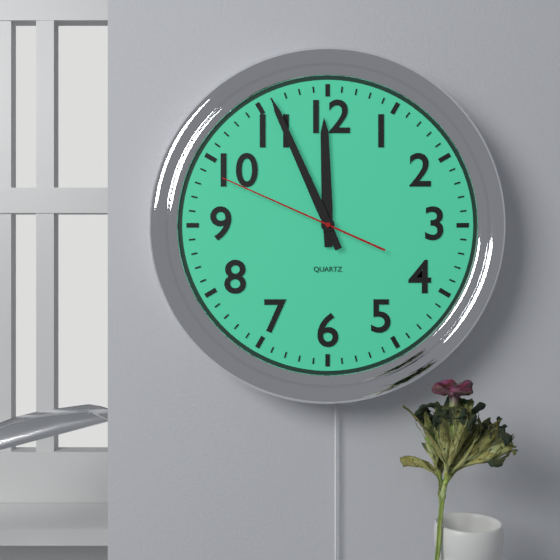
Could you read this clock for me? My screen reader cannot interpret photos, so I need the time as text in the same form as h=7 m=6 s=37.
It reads h=11 m=56 s=49
